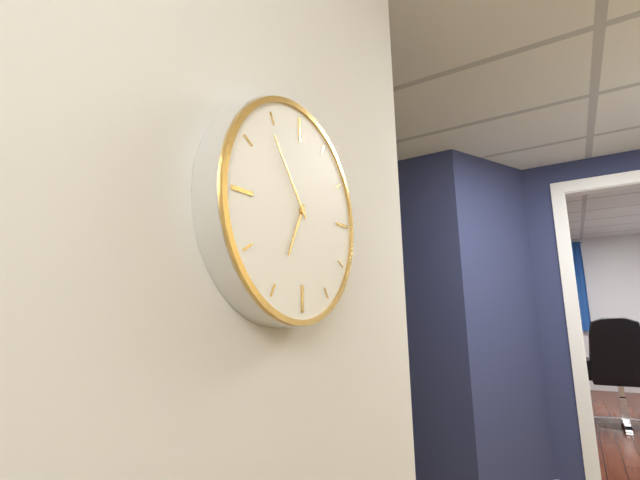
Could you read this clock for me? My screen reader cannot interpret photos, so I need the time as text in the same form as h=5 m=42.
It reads h=6 m=54
